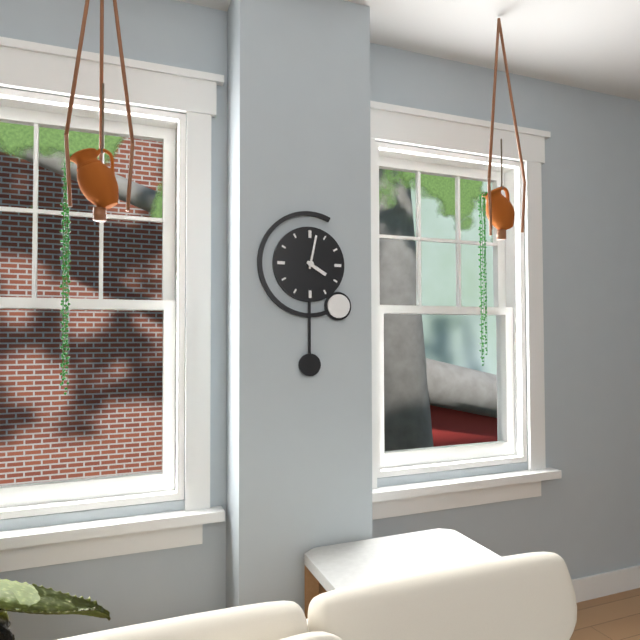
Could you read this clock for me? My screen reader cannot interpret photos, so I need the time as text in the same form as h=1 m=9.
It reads h=4 m=2
